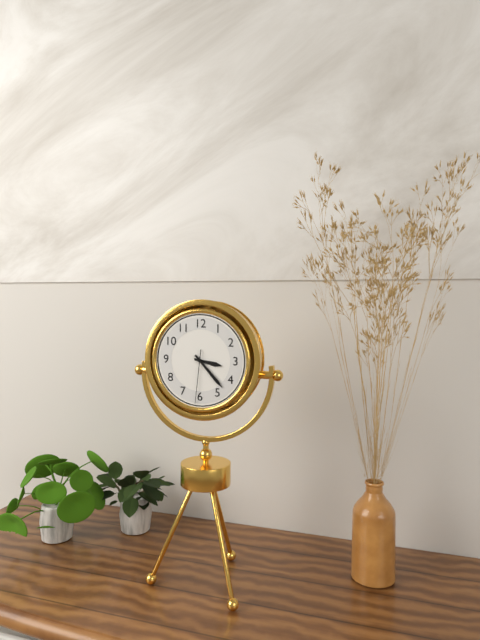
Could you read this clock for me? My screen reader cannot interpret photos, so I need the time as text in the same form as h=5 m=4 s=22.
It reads h=3 m=23 s=31
